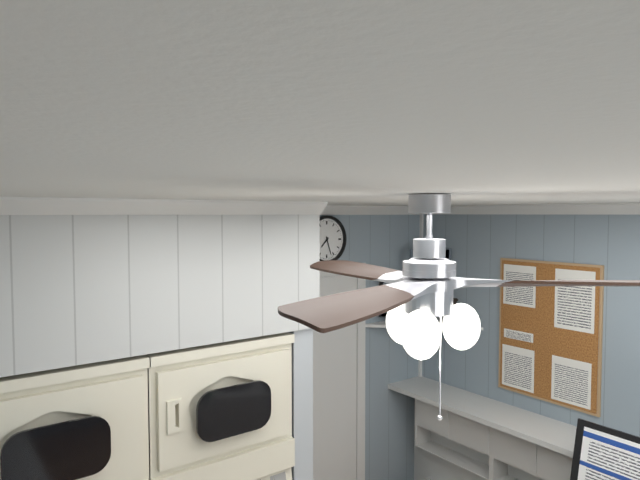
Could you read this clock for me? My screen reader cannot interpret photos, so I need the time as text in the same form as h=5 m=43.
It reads h=7 m=27
